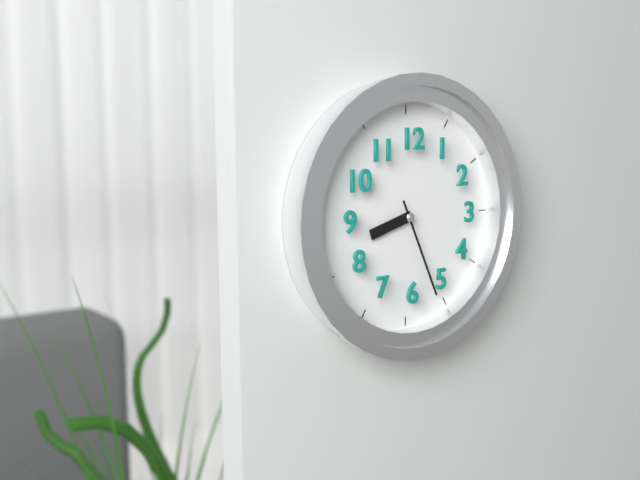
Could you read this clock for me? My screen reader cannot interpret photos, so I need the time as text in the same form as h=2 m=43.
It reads h=8 m=26
